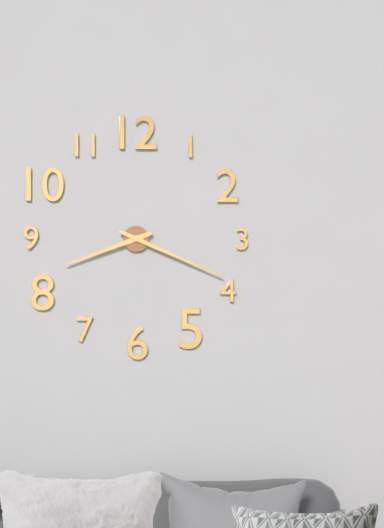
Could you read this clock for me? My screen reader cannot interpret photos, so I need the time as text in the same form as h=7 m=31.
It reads h=8 m=19
